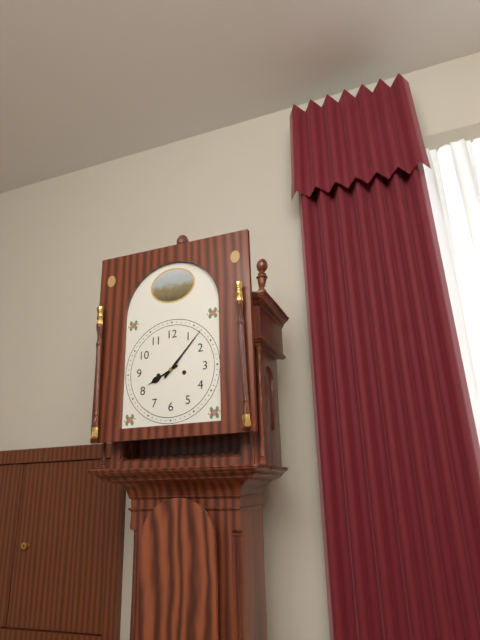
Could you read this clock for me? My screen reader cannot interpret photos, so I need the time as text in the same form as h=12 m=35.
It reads h=8 m=7
